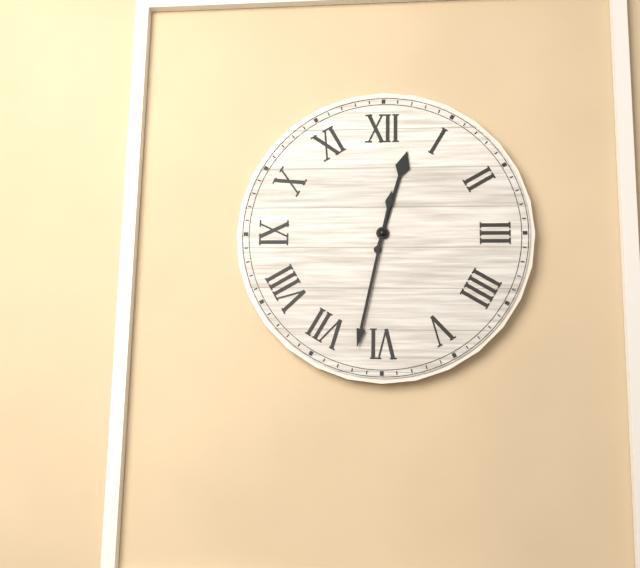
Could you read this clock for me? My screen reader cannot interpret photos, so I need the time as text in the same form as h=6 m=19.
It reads h=12 m=32
